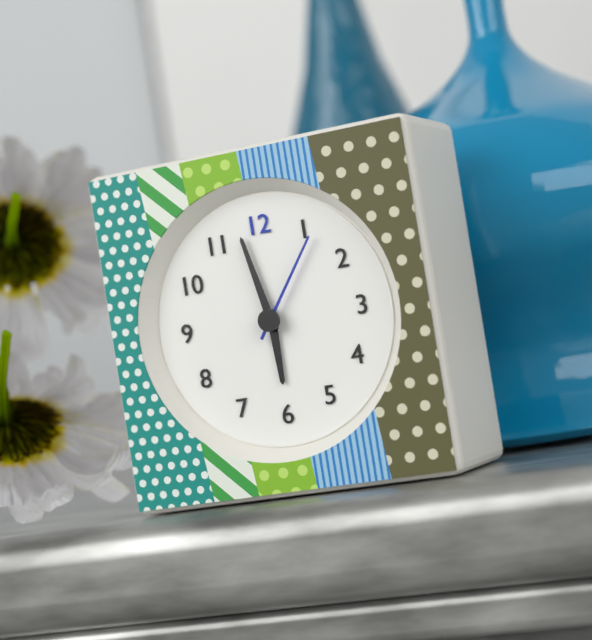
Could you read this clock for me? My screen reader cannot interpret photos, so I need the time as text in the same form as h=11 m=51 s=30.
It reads h=5 m=58 s=6
